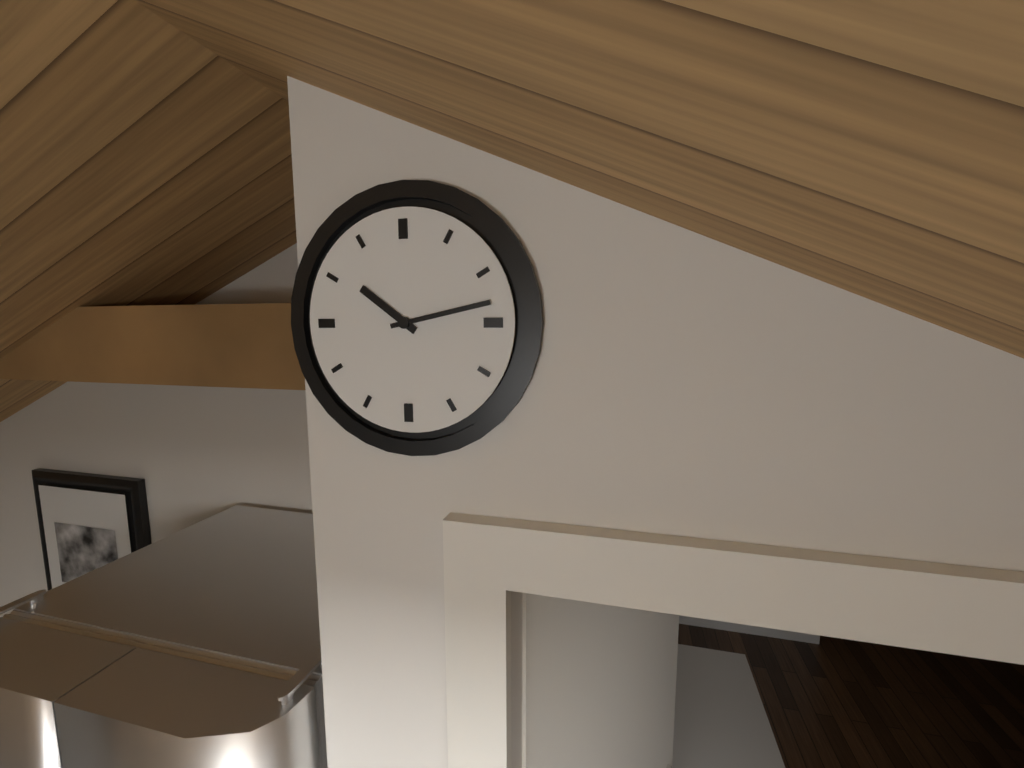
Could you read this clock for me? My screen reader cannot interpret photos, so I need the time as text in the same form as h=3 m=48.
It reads h=10 m=13
